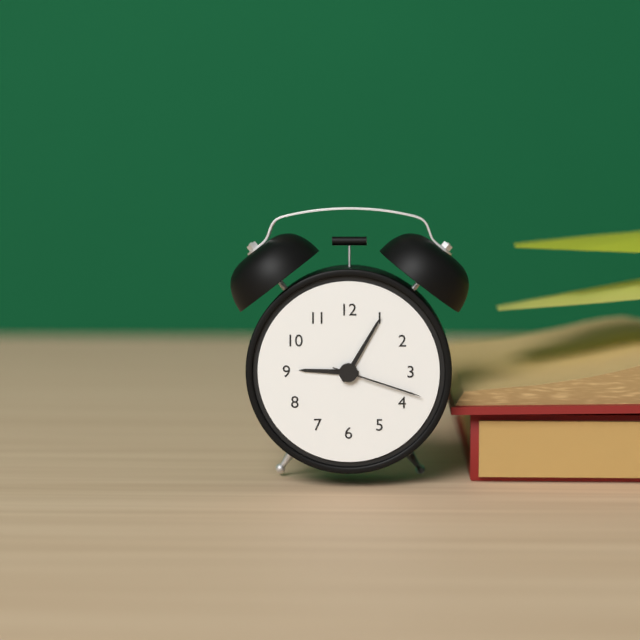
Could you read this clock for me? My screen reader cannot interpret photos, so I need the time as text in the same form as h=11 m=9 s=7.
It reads h=9 m=5 s=18
